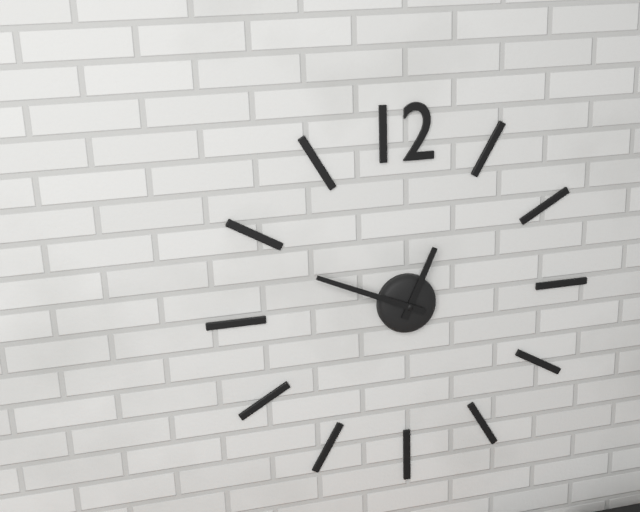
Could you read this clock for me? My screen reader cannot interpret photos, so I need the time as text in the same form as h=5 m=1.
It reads h=12 m=49
